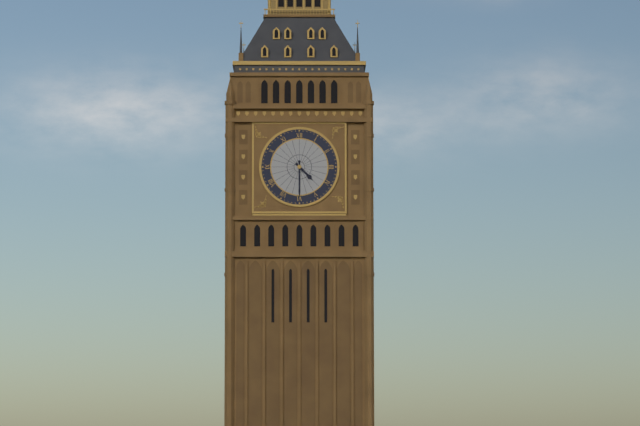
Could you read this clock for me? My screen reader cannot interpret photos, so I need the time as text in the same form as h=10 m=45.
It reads h=4 m=30
